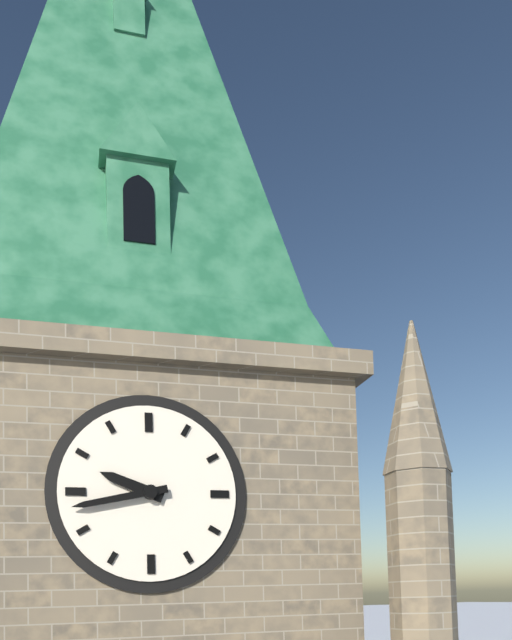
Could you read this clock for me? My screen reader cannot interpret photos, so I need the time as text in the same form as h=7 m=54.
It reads h=9 m=43
